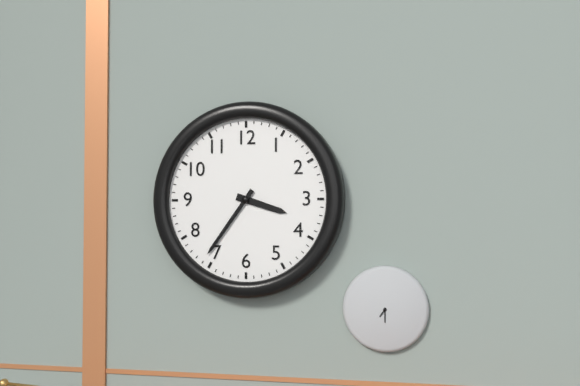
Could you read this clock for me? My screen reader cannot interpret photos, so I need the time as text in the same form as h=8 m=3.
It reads h=3 m=36
